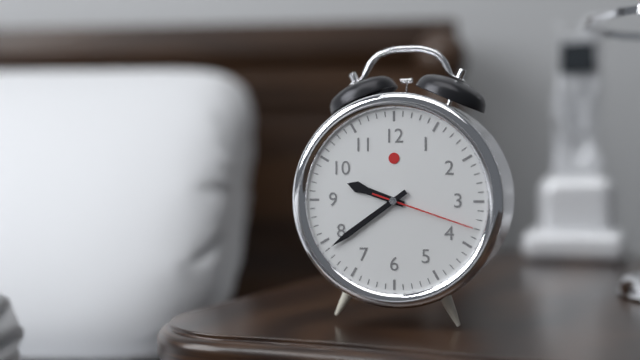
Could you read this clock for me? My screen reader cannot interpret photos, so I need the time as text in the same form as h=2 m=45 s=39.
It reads h=9 m=39 s=18
